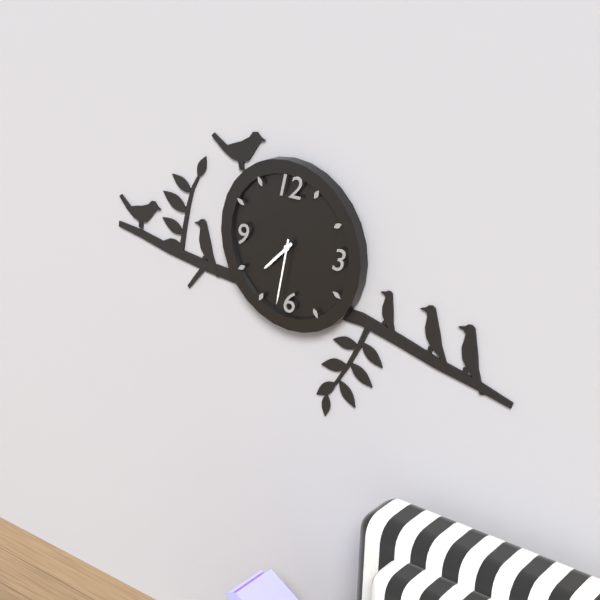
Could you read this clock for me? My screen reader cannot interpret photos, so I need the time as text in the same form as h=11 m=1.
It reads h=7 m=32
